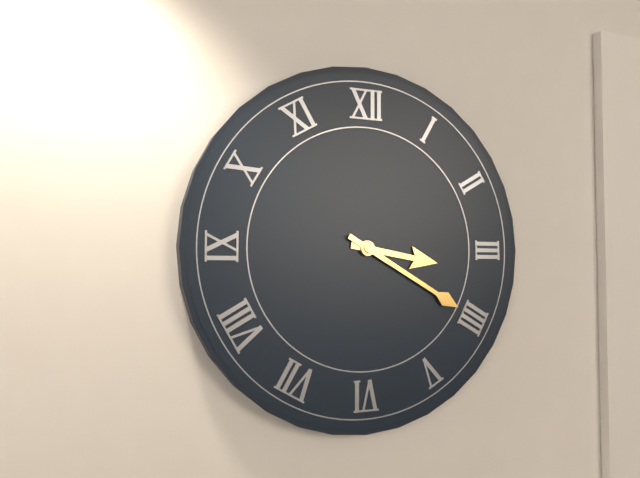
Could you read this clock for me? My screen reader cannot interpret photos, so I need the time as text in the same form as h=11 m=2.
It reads h=3 m=20
